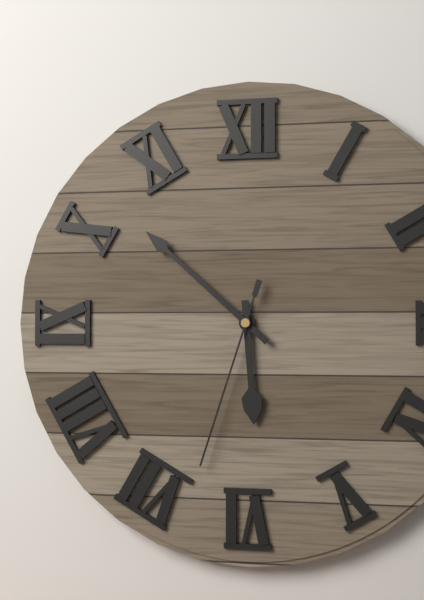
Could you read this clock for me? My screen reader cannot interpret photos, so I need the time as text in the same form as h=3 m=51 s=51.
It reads h=5 m=52 s=33
